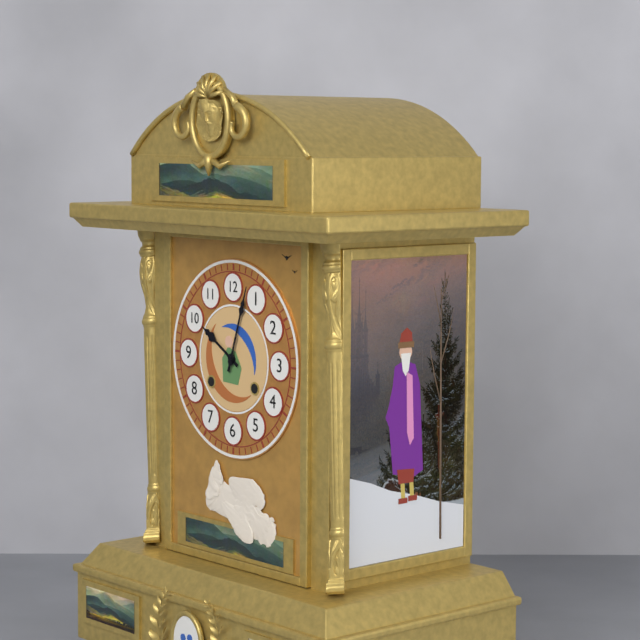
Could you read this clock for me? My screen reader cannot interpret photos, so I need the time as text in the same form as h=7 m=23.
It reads h=10 m=3
